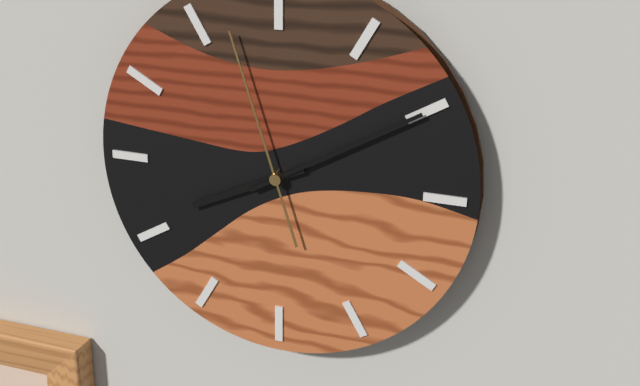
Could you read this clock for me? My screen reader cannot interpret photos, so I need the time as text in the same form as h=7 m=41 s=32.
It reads h=8 m=10 s=57
